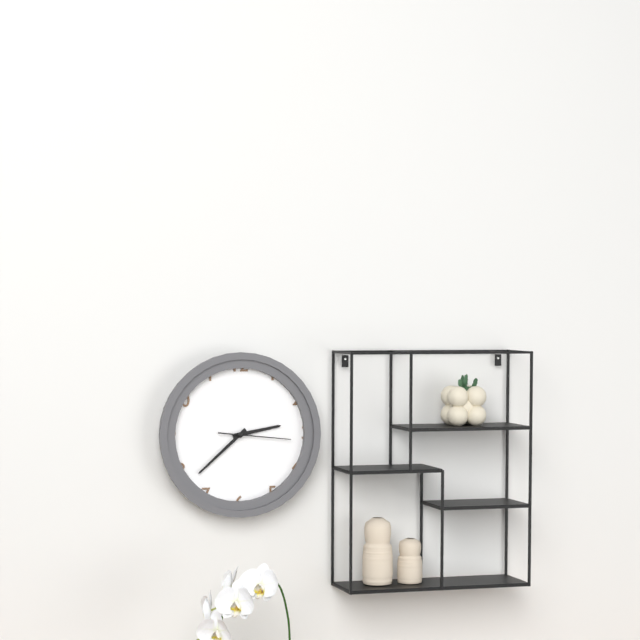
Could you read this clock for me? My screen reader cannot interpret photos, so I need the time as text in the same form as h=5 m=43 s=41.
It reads h=2 m=38 s=16
